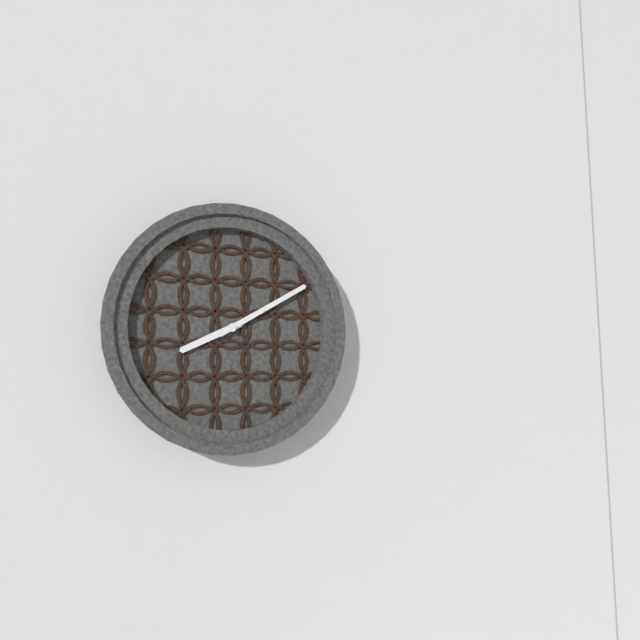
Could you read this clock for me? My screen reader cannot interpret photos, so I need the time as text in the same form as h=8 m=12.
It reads h=8 m=10
